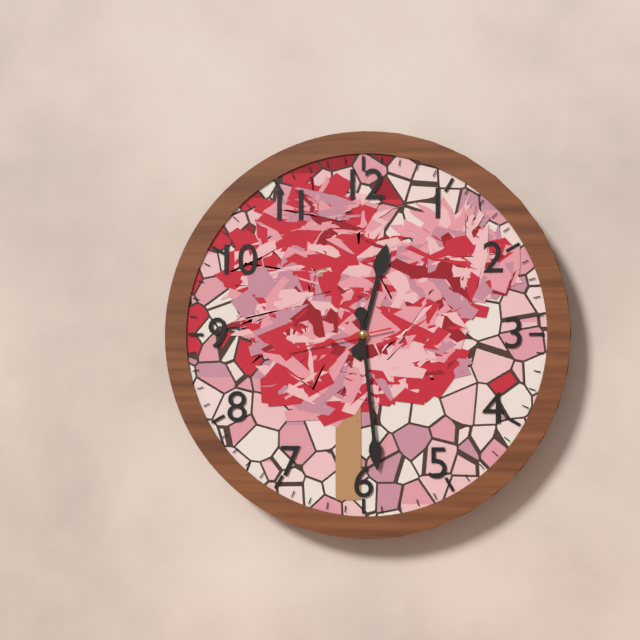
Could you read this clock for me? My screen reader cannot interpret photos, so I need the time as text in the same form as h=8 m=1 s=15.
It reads h=12 m=29 s=43
